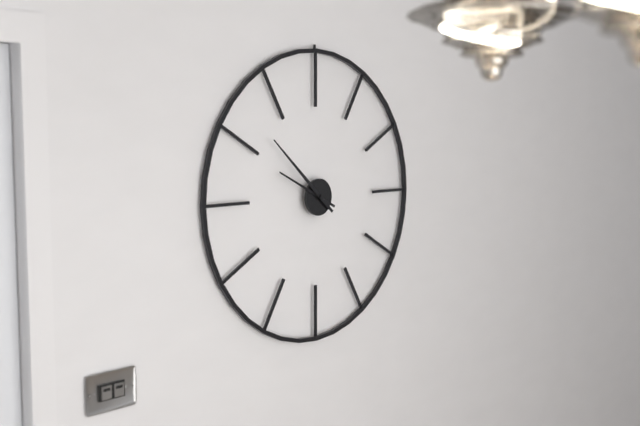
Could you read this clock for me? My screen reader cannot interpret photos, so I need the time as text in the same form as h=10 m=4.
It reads h=9 m=52
